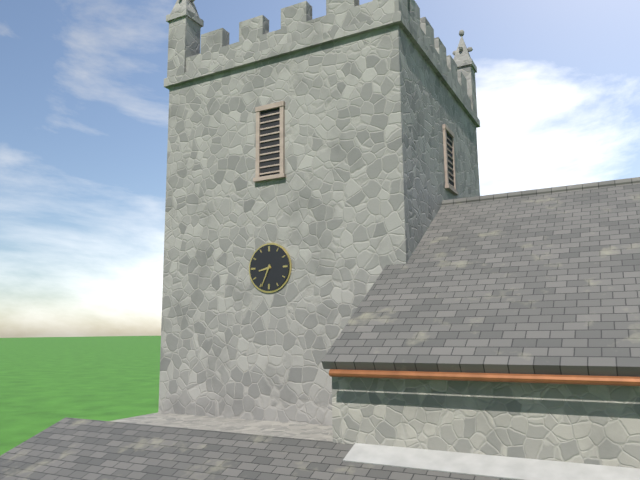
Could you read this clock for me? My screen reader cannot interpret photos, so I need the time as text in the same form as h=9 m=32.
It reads h=8 m=34
